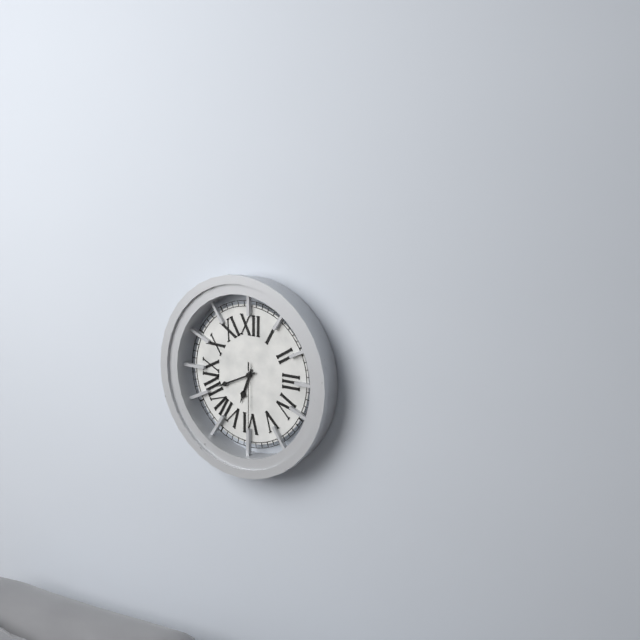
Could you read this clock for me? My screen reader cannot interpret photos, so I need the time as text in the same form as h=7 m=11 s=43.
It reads h=6 m=41 s=30
